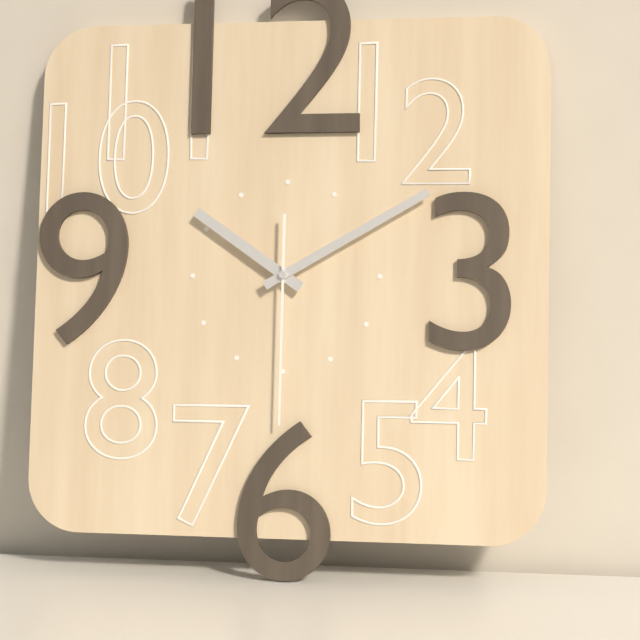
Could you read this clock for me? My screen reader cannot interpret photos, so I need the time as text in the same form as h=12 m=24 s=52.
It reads h=10 m=10 s=30
